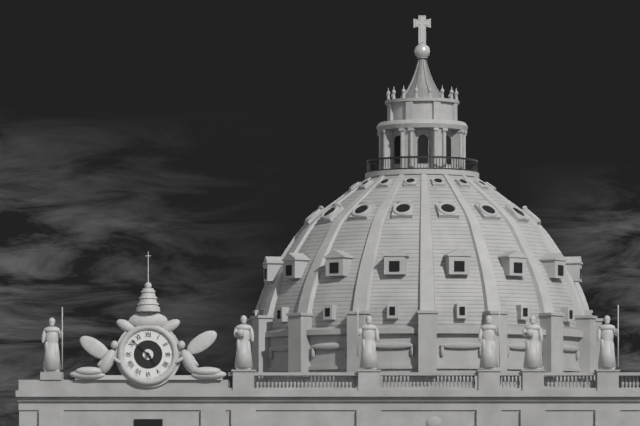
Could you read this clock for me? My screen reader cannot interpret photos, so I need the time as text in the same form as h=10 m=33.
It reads h=4 m=52
